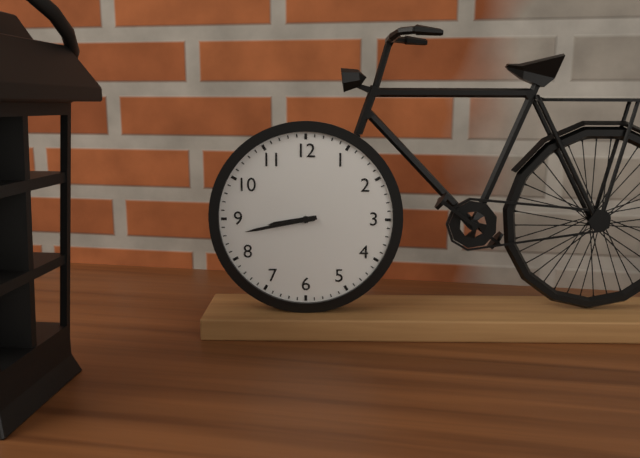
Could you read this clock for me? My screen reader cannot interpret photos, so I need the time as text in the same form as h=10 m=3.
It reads h=8 m=43
